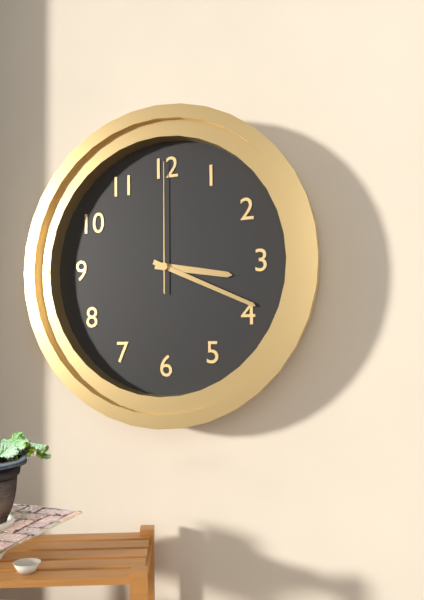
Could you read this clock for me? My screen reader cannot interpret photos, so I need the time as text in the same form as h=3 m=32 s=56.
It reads h=3 m=19 s=0
